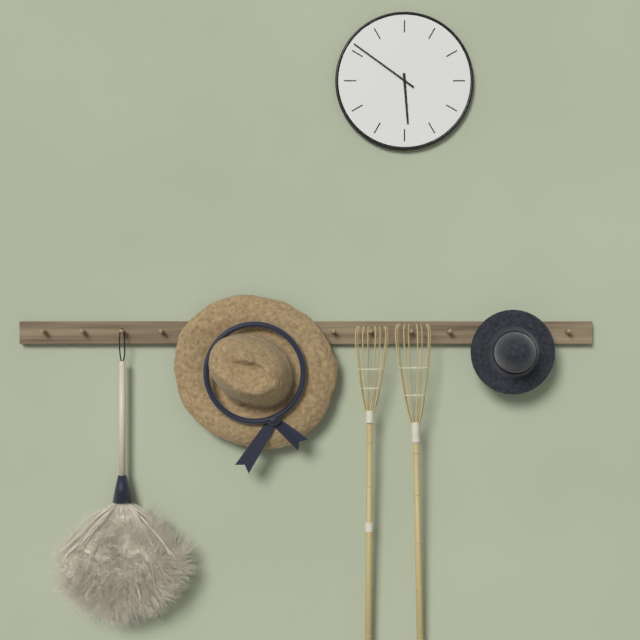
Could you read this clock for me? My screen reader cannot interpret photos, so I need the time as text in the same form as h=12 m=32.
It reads h=5 m=51
